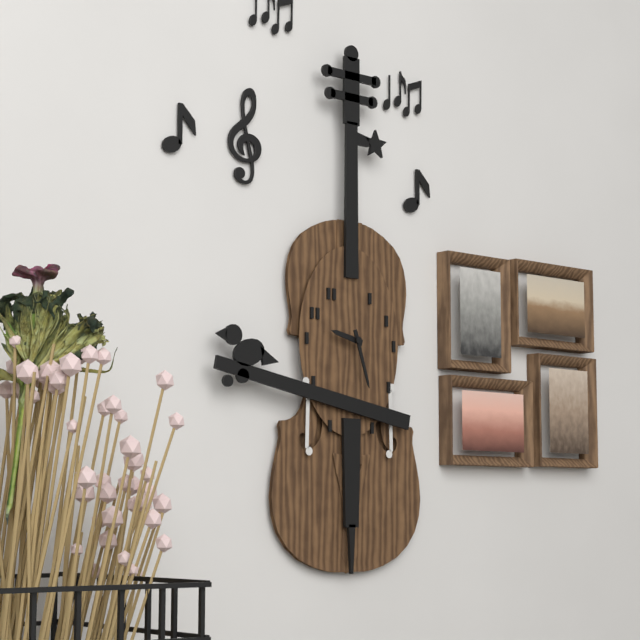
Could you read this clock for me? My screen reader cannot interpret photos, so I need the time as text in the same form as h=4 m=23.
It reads h=9 m=27
